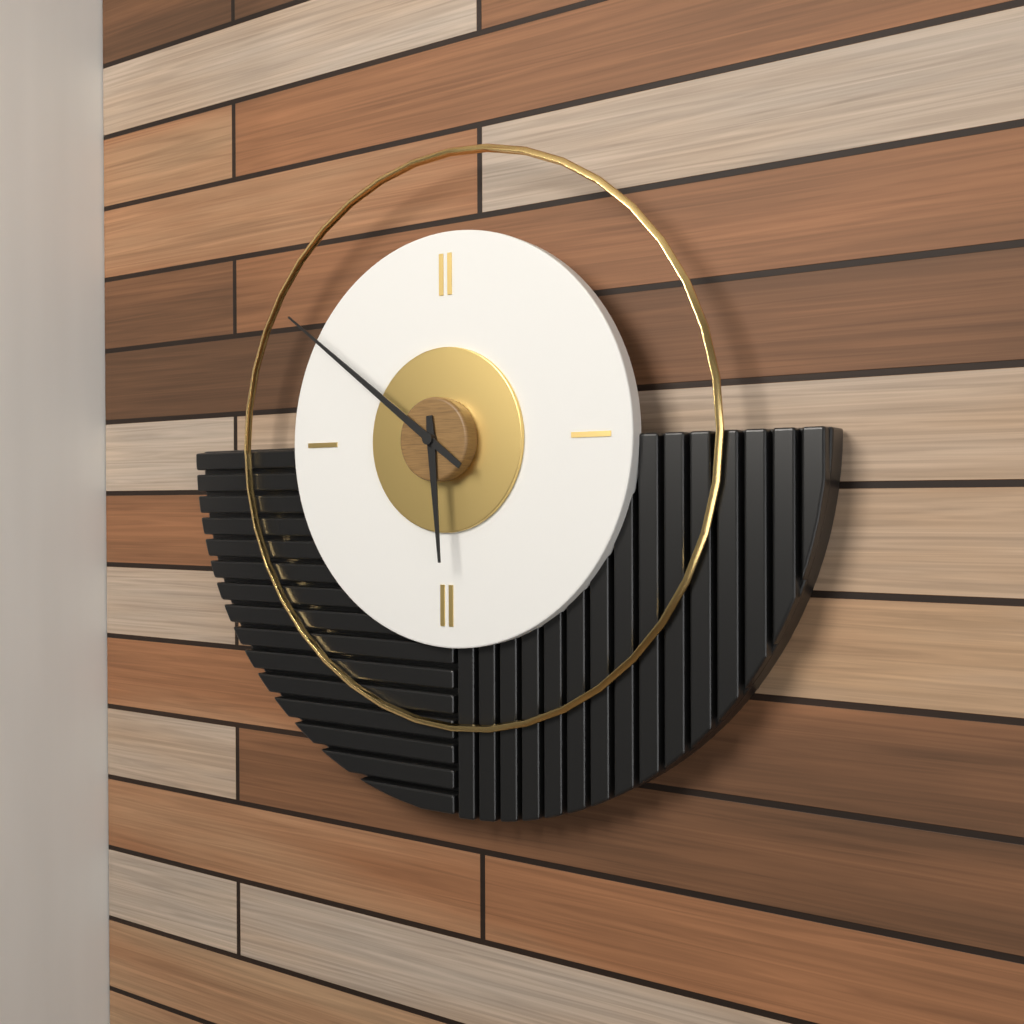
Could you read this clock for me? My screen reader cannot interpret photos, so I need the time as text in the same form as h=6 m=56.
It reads h=5 m=51
